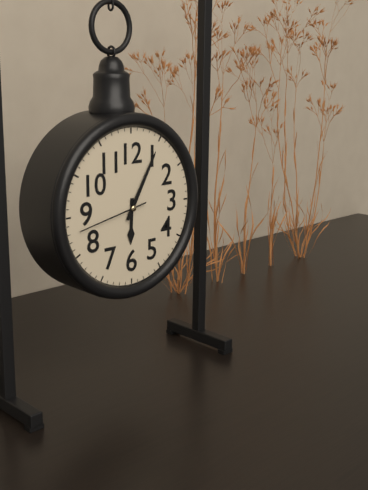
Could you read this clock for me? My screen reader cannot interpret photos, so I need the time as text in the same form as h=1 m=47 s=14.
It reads h=6 m=5 s=43
